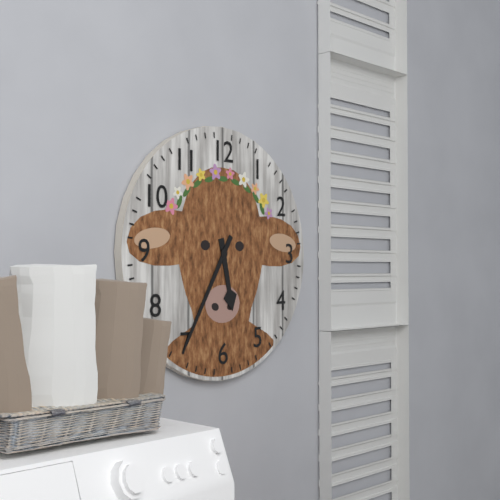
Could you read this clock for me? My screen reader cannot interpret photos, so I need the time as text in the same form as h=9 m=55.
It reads h=5 m=35
